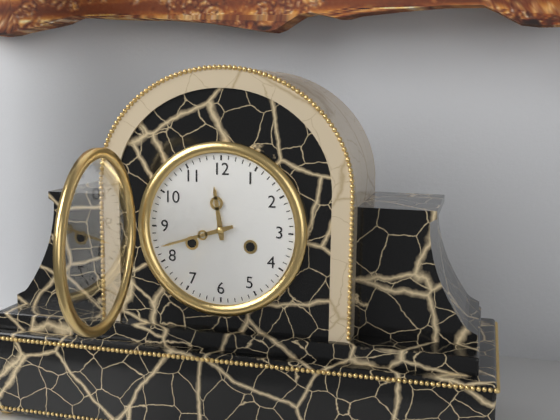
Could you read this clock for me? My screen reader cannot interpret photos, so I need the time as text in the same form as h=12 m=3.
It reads h=11 m=42
